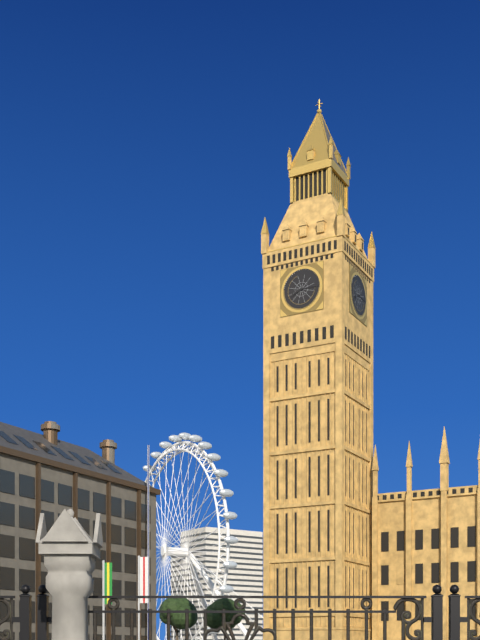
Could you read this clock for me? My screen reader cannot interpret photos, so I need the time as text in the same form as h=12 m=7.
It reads h=8 m=15
